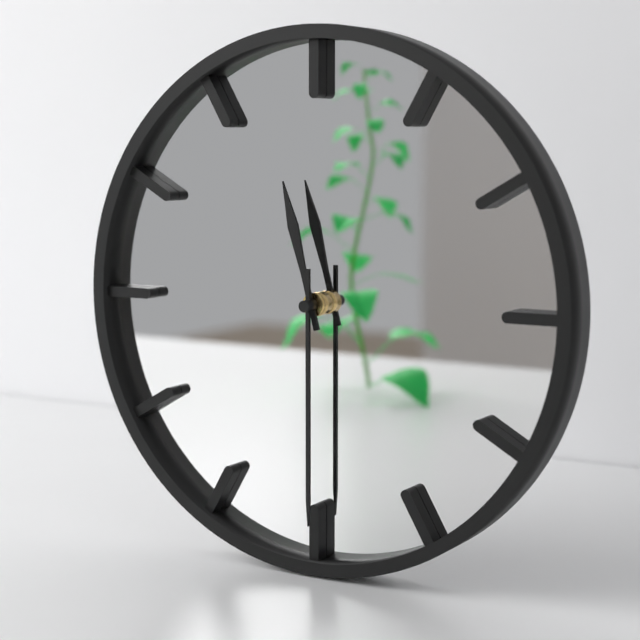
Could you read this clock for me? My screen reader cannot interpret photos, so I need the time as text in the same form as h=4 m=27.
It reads h=11 m=30
